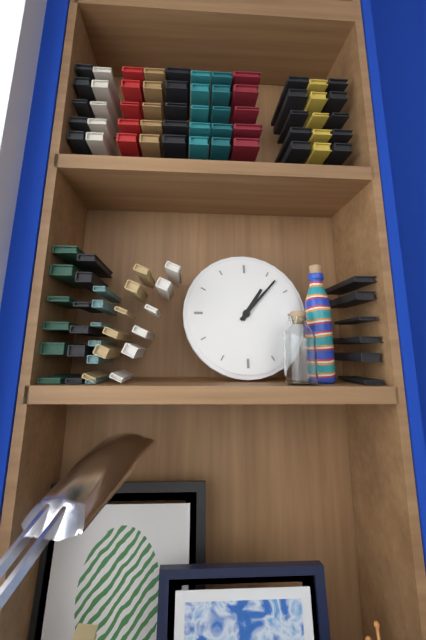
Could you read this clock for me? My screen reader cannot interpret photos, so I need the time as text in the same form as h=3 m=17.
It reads h=1 m=7
